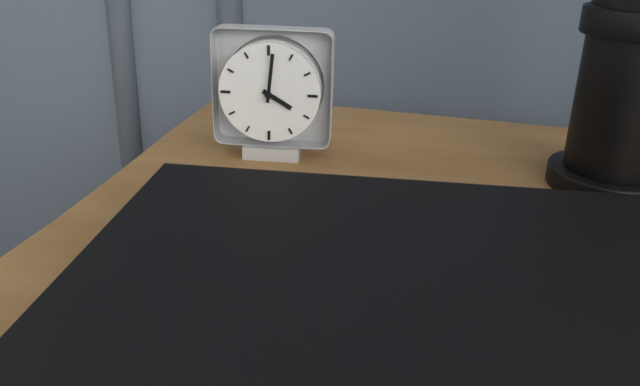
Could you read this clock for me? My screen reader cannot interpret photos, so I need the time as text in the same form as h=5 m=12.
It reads h=4 m=1
